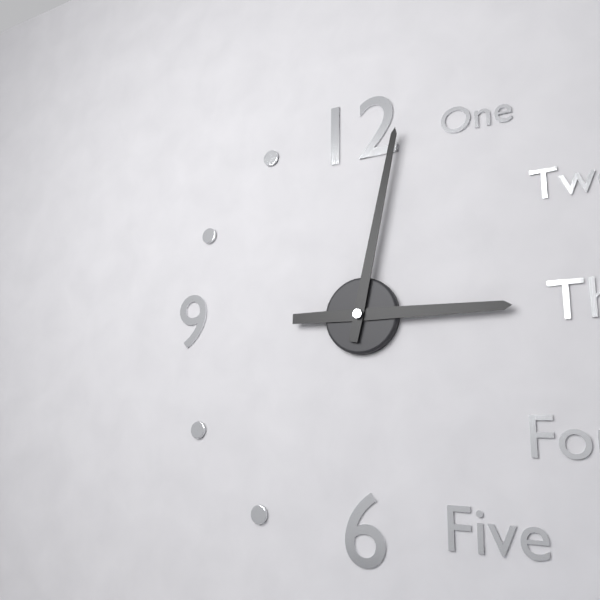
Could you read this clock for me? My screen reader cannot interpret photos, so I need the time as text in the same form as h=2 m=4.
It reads h=3 m=2
